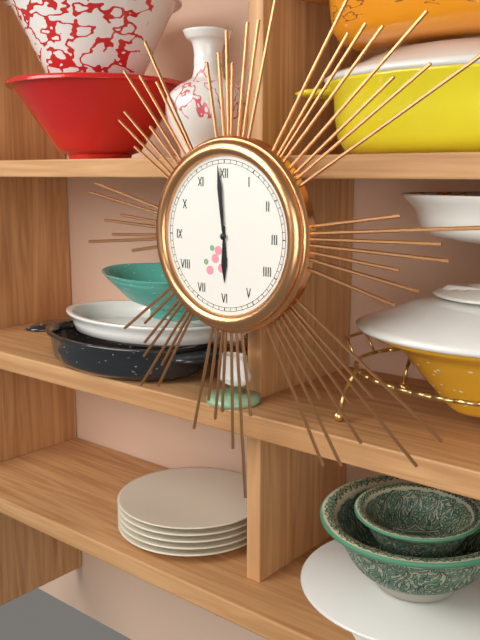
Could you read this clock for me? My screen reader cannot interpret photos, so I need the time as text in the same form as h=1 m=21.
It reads h=5 m=59
